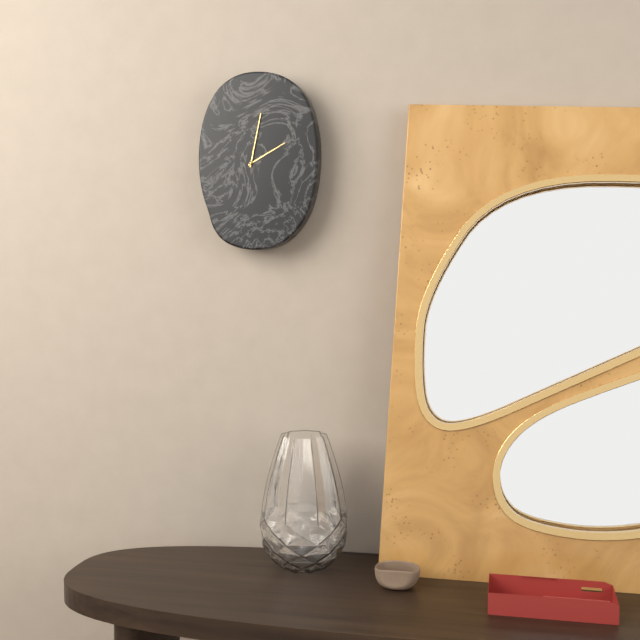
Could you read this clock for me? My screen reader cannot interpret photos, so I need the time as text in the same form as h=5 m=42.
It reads h=2 m=2
